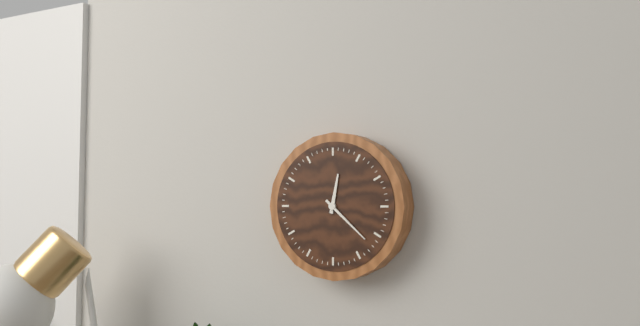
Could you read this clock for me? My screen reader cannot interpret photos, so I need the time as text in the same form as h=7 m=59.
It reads h=12 m=22
